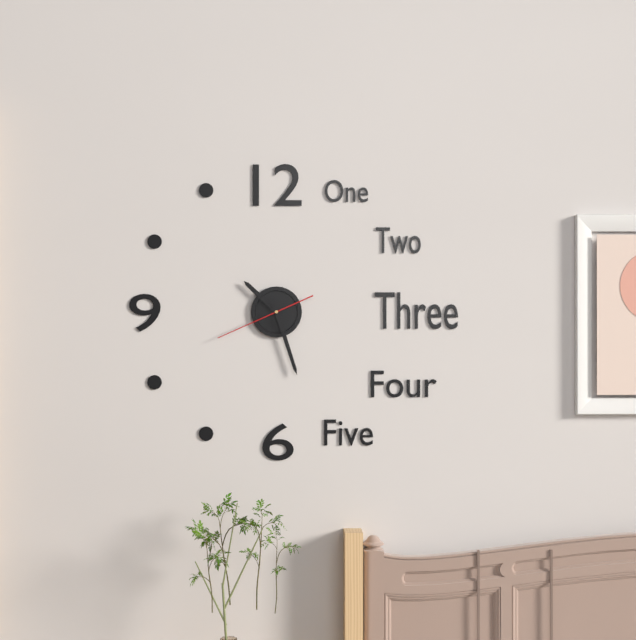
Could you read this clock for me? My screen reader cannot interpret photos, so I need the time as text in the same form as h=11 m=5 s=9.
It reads h=10 m=27 s=41
